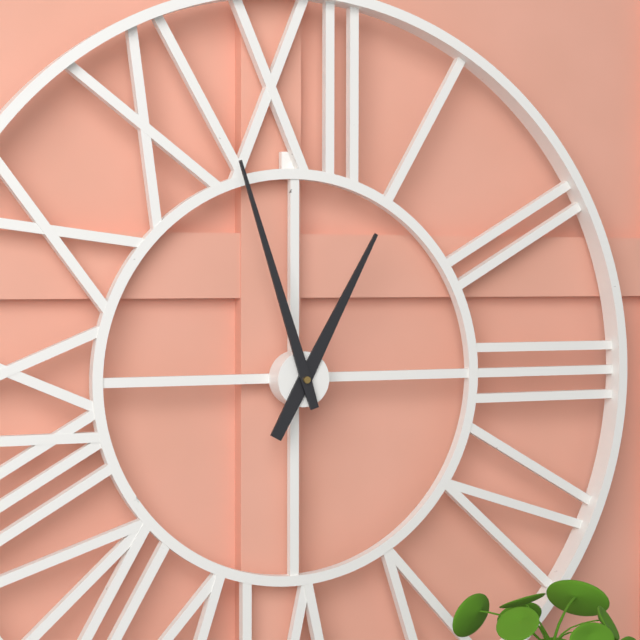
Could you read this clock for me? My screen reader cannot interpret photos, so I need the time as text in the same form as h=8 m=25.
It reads h=12 m=57
